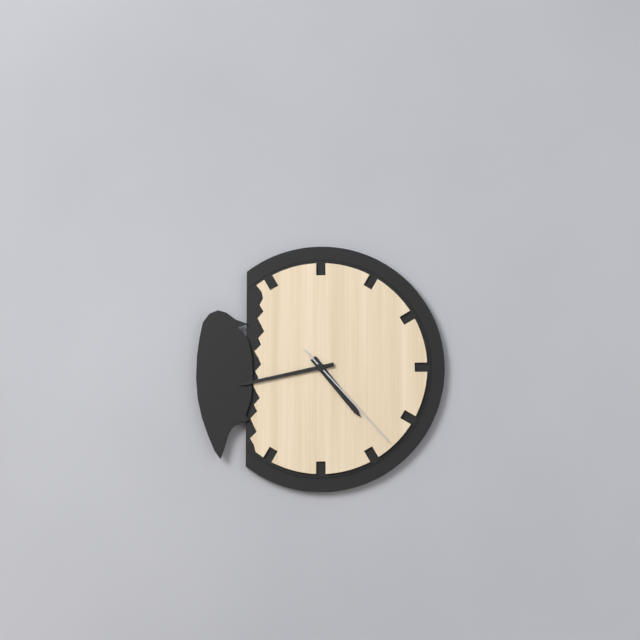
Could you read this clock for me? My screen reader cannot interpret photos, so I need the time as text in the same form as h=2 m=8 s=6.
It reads h=4 m=43 s=23
